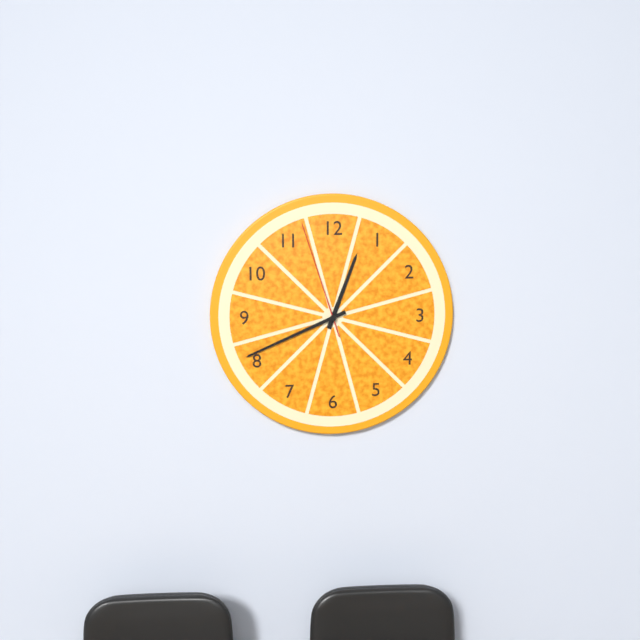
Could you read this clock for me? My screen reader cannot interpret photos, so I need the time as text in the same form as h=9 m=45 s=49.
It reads h=12 m=41 s=57
